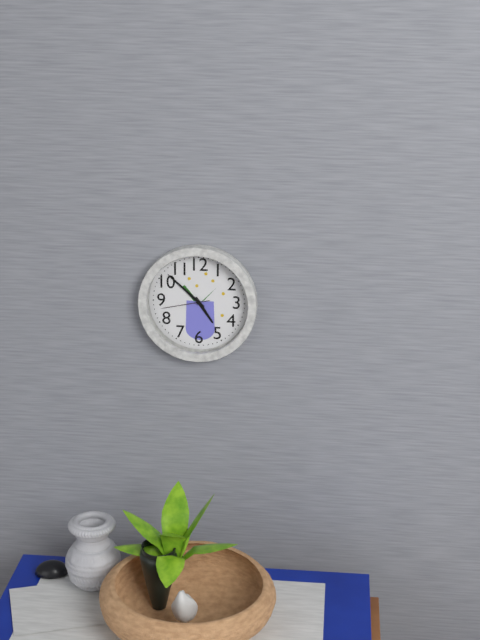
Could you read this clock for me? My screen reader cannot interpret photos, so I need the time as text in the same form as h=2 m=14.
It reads h=4 m=52
